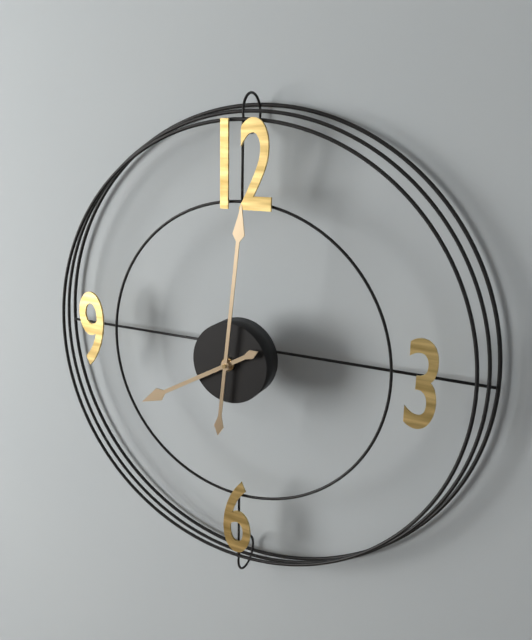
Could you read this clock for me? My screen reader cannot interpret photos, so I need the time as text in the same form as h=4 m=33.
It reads h=8 m=1
